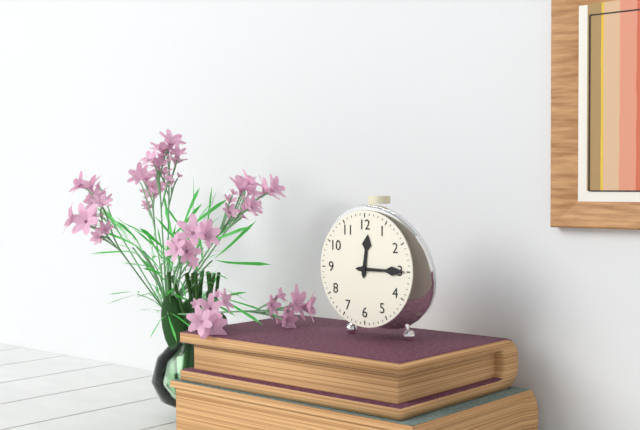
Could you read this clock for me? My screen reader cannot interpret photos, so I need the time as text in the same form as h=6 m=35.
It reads h=12 m=15
